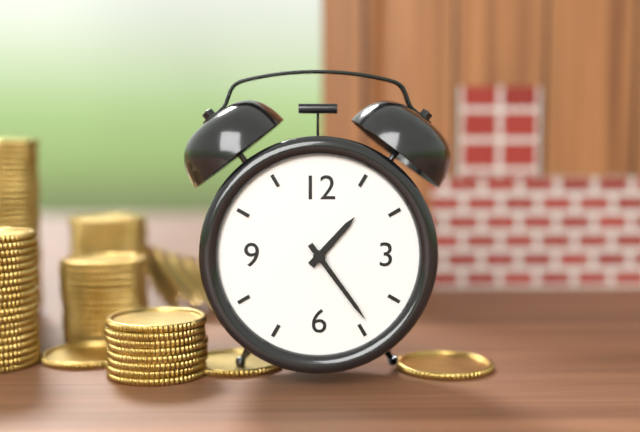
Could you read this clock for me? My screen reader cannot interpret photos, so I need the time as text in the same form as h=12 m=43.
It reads h=1 m=24
